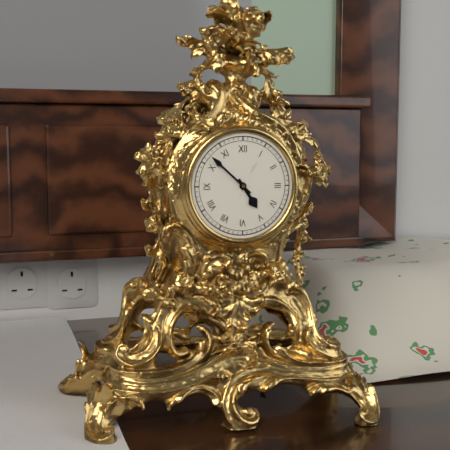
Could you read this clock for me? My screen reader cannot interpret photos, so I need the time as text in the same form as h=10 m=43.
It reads h=4 m=52
